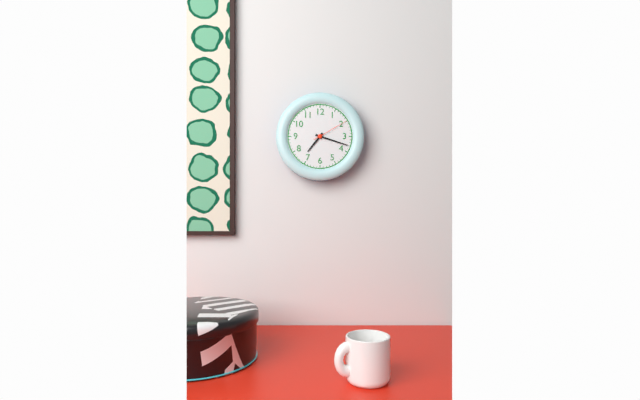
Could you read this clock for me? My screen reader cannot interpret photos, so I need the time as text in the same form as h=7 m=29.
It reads h=7 m=18
